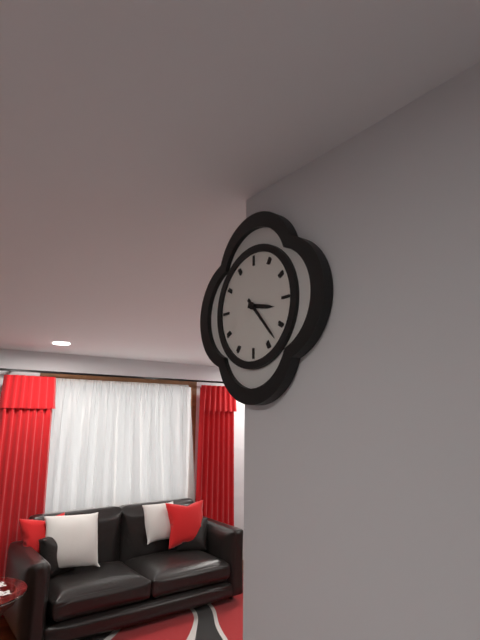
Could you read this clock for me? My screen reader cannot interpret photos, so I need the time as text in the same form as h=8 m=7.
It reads h=3 m=23
